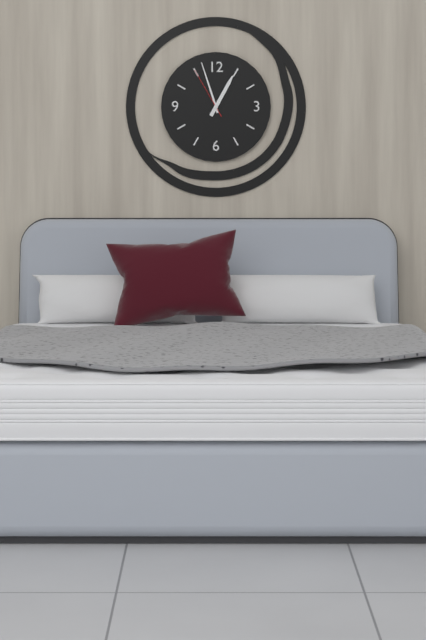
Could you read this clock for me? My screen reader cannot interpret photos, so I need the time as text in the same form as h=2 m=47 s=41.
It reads h=12 m=57 s=55
